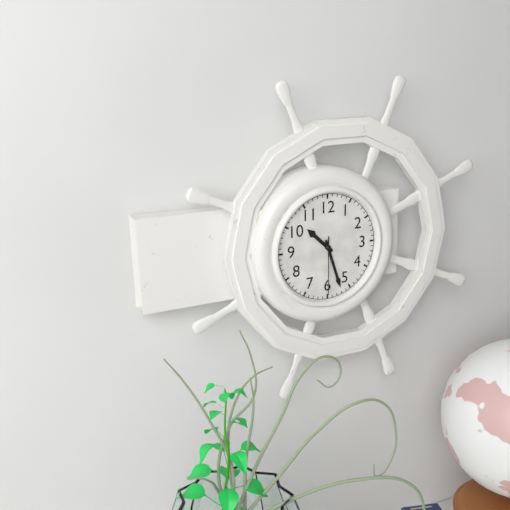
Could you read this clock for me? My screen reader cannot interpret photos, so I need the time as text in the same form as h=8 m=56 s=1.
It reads h=10 m=27 s=30
